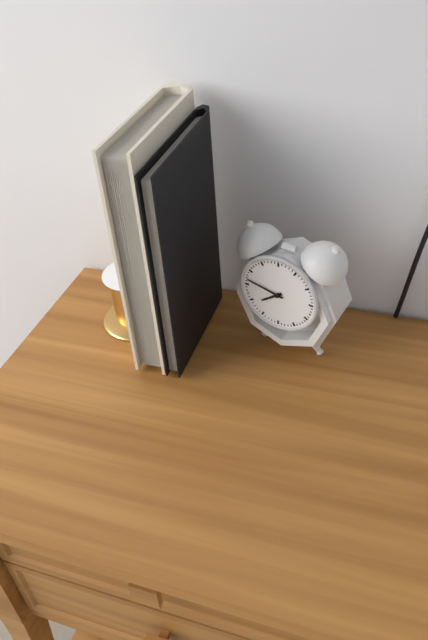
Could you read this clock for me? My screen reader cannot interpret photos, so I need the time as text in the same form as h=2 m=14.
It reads h=7 m=47
